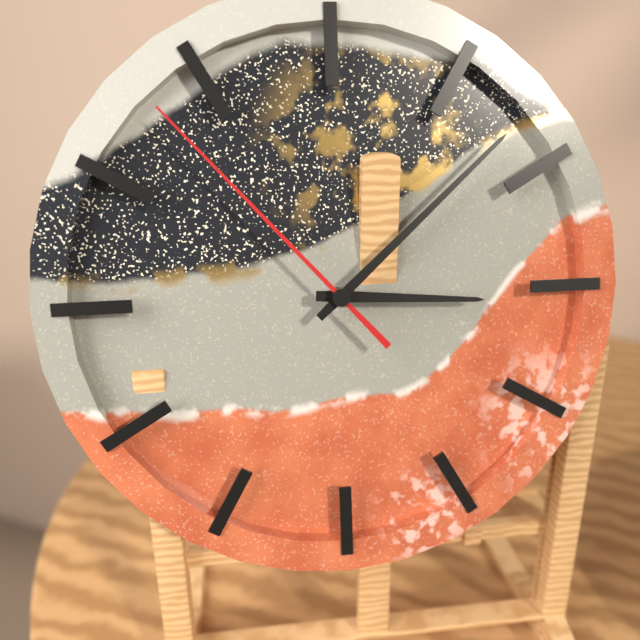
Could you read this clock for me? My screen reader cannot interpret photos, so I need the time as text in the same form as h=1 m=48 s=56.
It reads h=3 m=8 s=53
